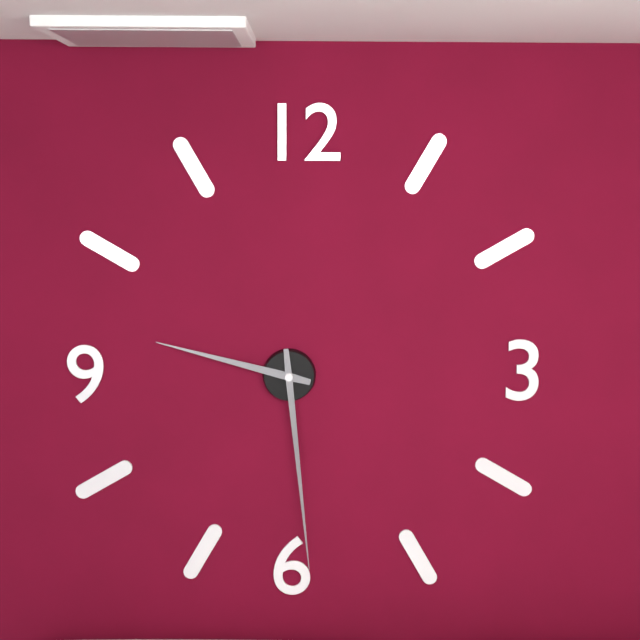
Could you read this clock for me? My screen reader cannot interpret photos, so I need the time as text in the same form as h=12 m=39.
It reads h=9 m=29
